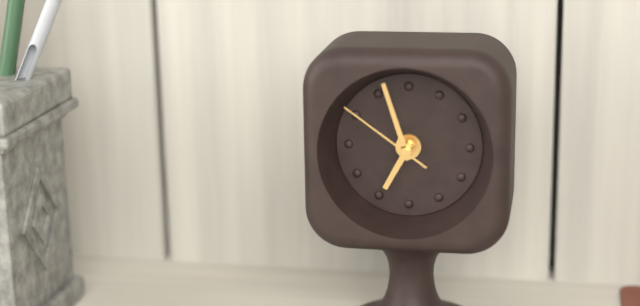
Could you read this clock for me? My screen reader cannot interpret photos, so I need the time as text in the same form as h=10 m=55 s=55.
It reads h=6 m=57 s=51
